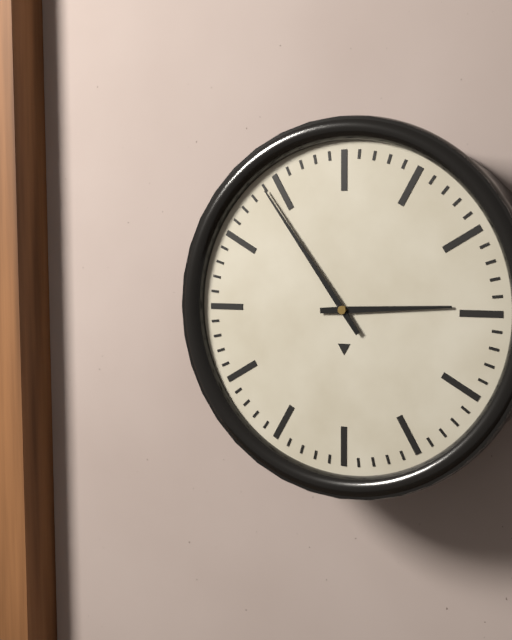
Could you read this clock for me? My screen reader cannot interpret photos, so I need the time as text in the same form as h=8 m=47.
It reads h=2 m=54
